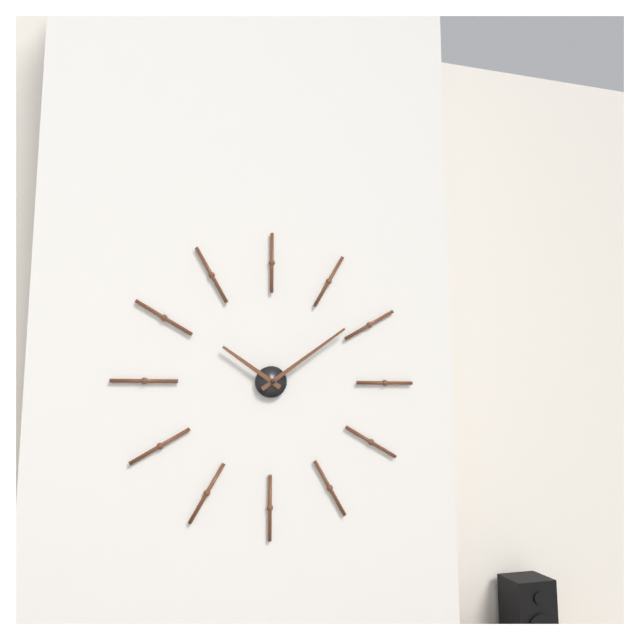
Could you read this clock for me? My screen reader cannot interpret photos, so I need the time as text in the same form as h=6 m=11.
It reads h=10 m=9
